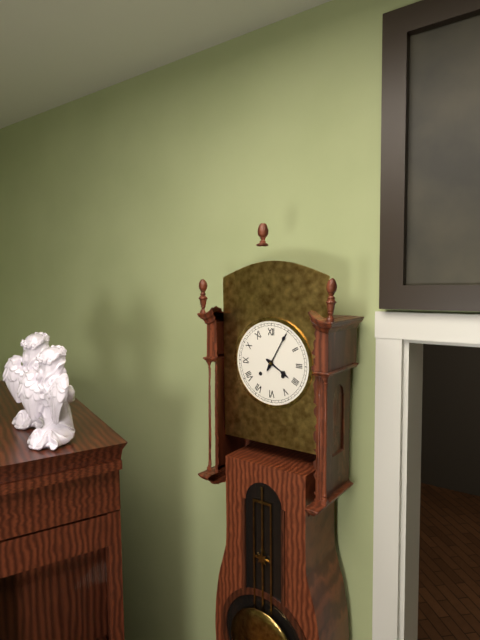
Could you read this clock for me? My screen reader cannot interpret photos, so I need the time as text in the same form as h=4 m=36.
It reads h=4 m=5
